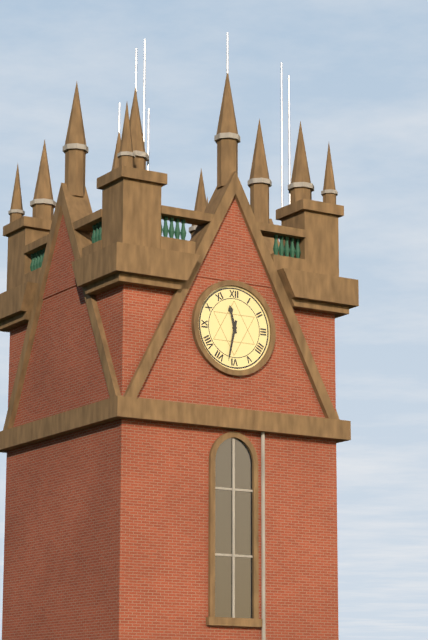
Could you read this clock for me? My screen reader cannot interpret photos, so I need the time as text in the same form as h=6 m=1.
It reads h=11 m=32
